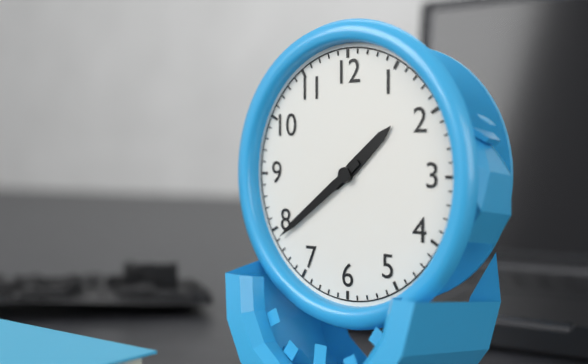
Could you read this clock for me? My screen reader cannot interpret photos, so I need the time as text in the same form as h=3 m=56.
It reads h=1 m=39
